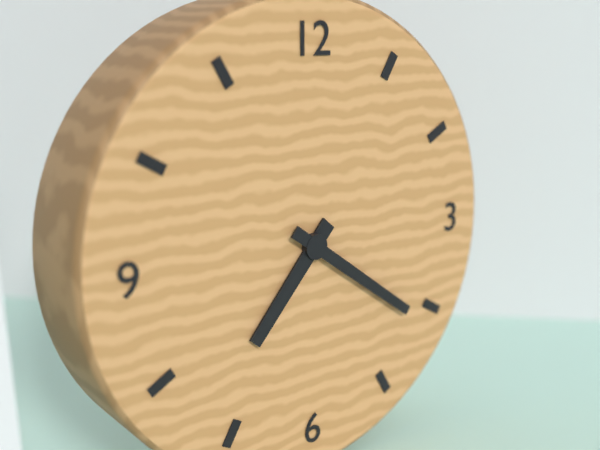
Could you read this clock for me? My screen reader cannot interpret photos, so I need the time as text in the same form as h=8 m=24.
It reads h=7 m=21
